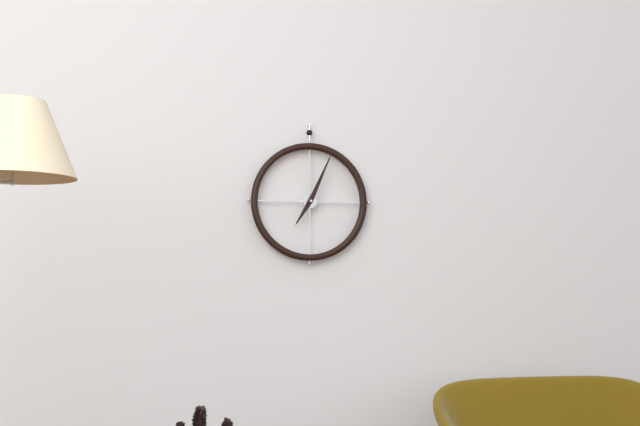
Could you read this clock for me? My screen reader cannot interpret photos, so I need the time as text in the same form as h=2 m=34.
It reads h=7 m=4
